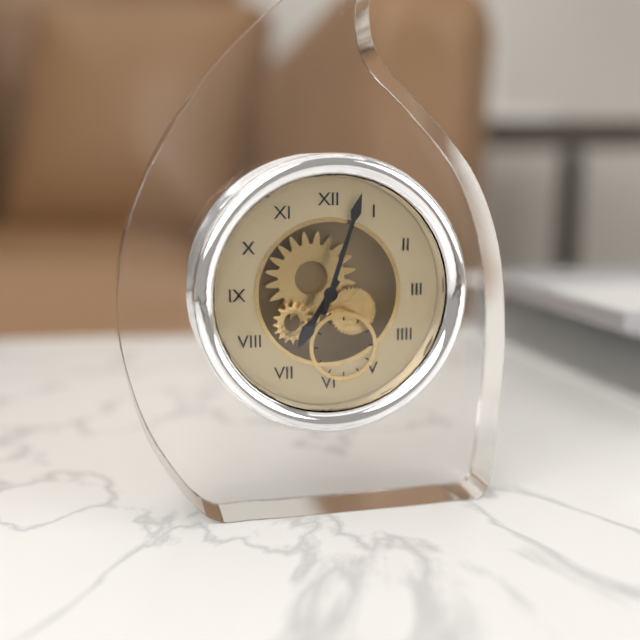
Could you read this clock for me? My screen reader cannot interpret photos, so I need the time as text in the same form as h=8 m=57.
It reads h=7 m=3
